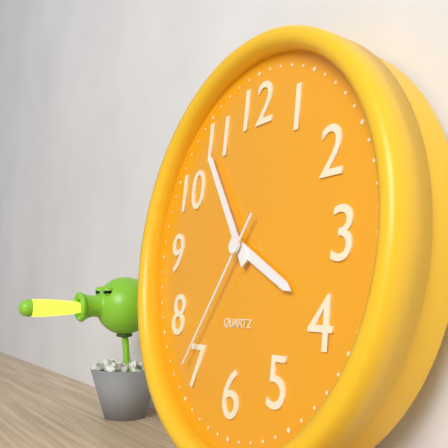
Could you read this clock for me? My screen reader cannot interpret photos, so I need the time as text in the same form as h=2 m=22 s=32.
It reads h=3 m=54 s=36
